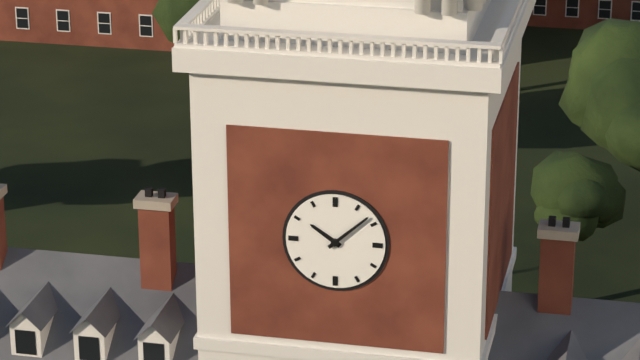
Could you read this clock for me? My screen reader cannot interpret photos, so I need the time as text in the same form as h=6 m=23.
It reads h=10 m=8
